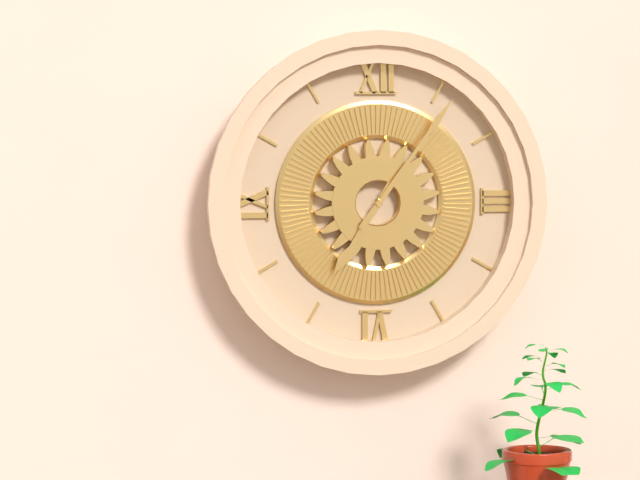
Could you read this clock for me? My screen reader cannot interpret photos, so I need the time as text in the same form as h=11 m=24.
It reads h=7 m=6
